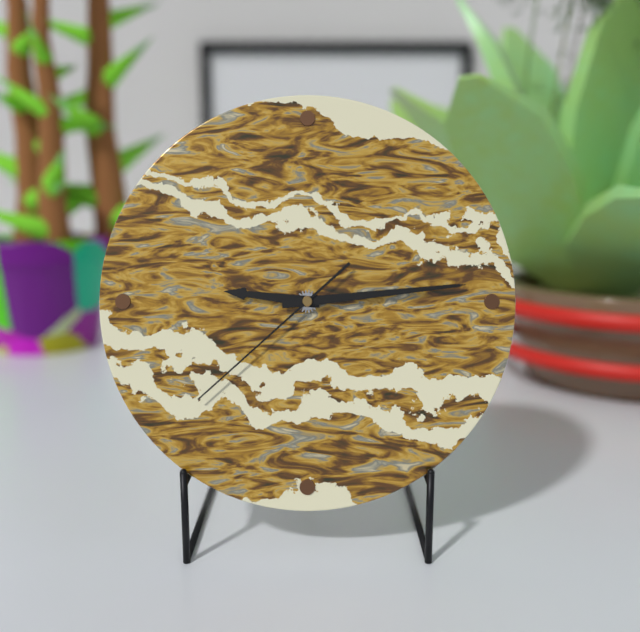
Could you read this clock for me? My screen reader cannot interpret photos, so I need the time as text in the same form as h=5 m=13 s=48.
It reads h=9 m=14 s=38
